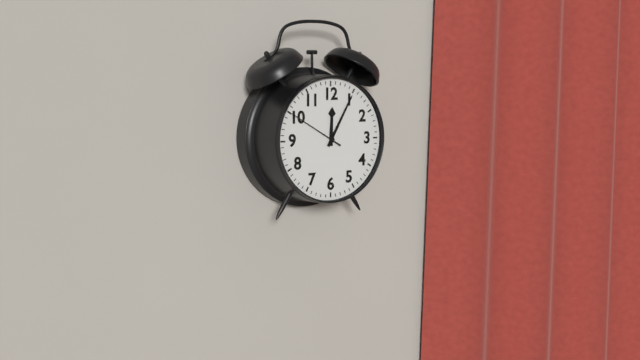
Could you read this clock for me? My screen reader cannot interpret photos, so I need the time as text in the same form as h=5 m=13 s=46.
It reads h=12 m=5 s=50
